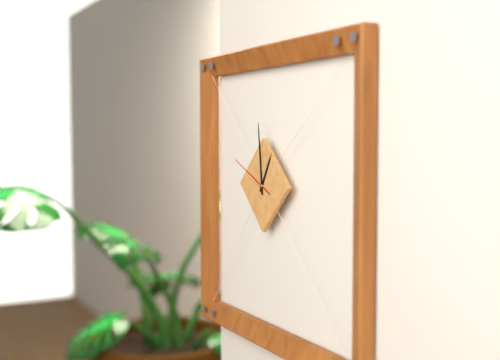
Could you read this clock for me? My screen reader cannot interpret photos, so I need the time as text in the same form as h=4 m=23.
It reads h=12 m=59
